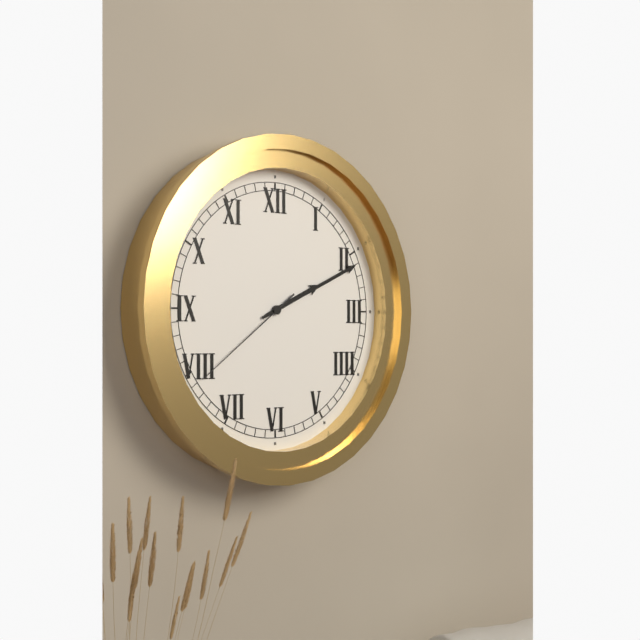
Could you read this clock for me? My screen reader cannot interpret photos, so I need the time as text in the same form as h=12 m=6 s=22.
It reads h=2 m=11 s=39
